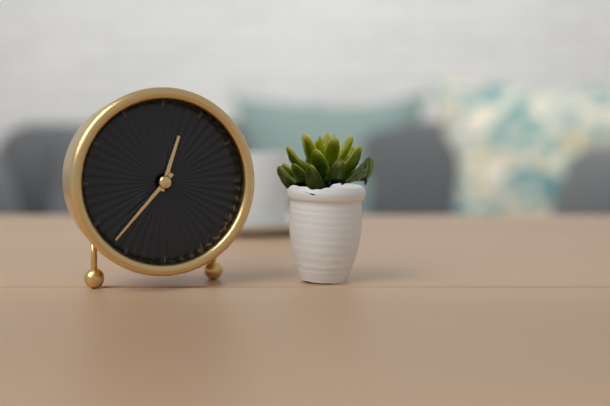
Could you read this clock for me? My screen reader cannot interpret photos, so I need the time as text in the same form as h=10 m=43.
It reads h=12 m=37
